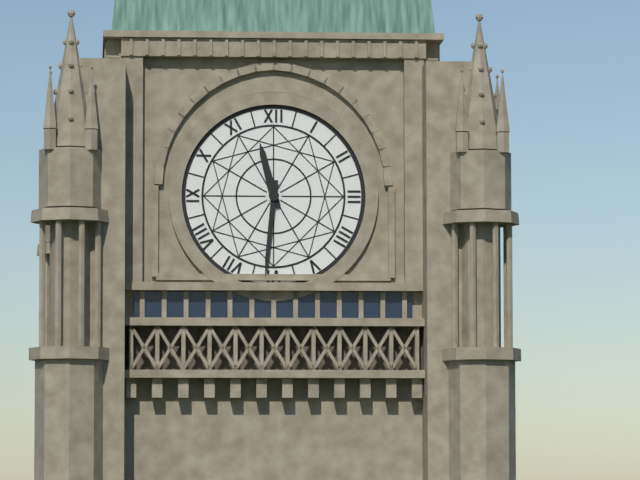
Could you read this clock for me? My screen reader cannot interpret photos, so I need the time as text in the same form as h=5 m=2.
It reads h=11 m=31
